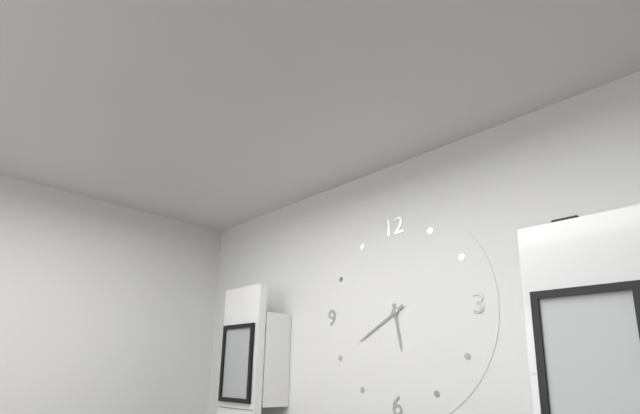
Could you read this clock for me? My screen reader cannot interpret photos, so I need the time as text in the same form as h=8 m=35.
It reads h=5 m=40
